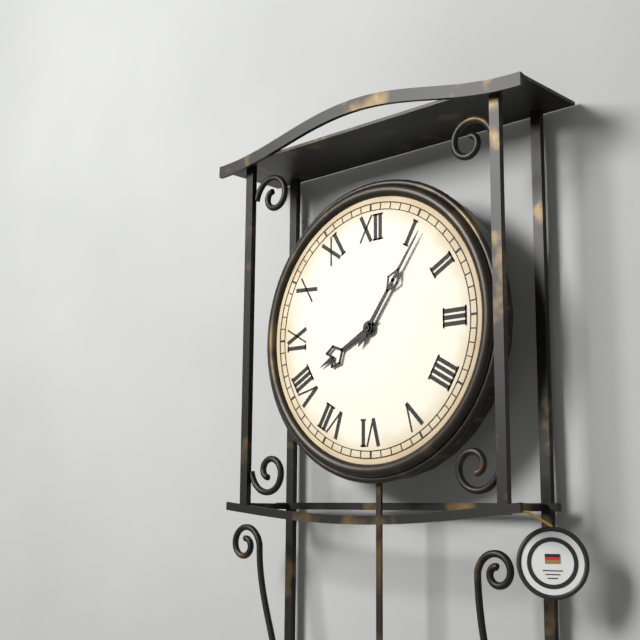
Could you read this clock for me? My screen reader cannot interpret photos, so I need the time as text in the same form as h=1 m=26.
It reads h=8 m=6
